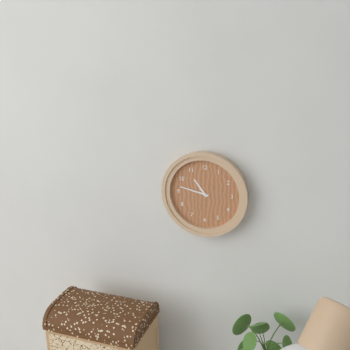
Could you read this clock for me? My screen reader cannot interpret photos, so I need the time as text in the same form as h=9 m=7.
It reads h=10 m=47
